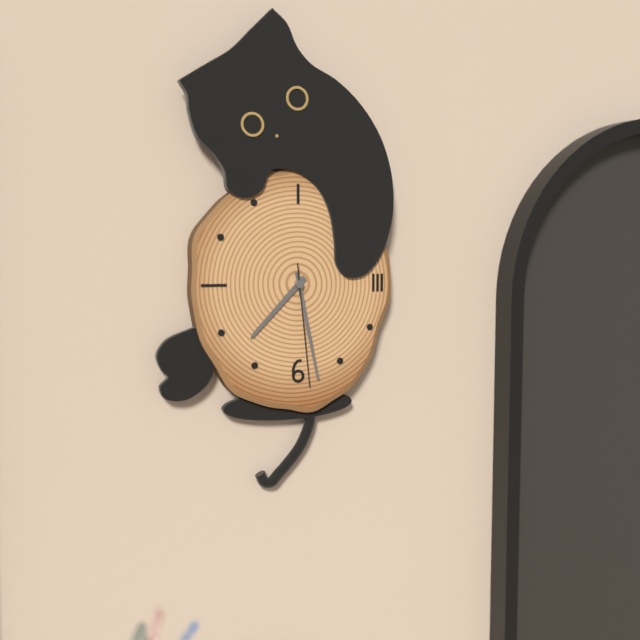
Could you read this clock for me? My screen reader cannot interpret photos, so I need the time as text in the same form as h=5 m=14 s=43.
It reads h=7 m=28 s=29
